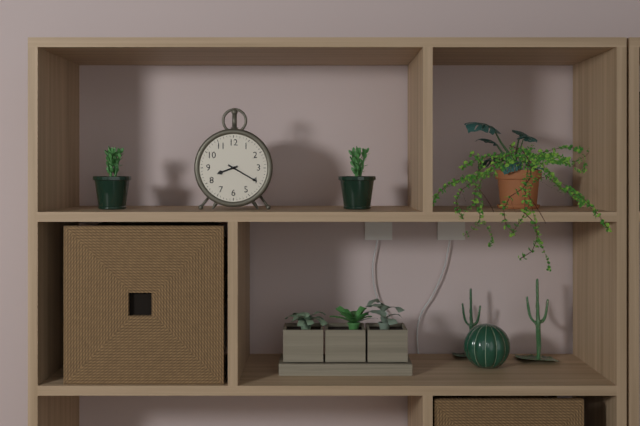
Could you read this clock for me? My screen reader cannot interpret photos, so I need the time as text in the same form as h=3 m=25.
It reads h=8 m=20
